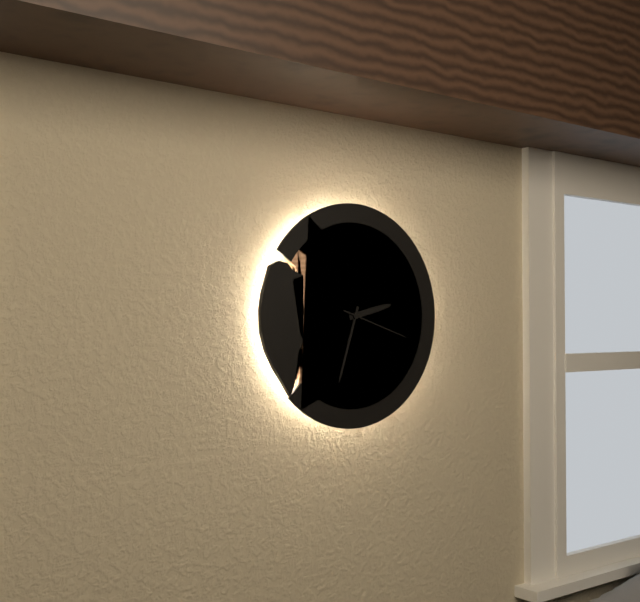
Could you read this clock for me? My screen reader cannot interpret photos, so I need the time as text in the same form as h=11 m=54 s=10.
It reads h=2 m=33 s=18
